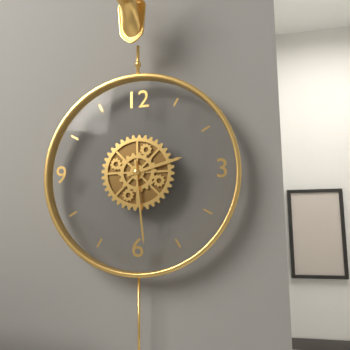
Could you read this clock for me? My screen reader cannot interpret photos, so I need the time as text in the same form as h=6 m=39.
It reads h=2 m=29
